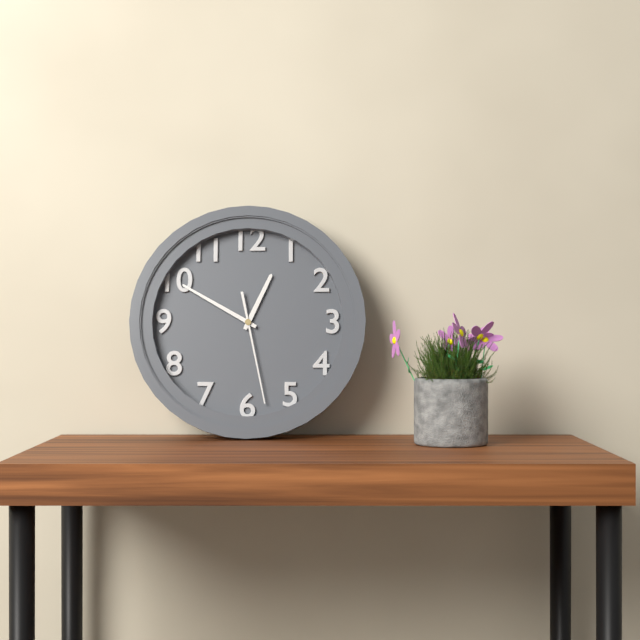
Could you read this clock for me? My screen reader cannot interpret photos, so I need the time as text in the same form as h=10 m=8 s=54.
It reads h=12 m=50 s=28
